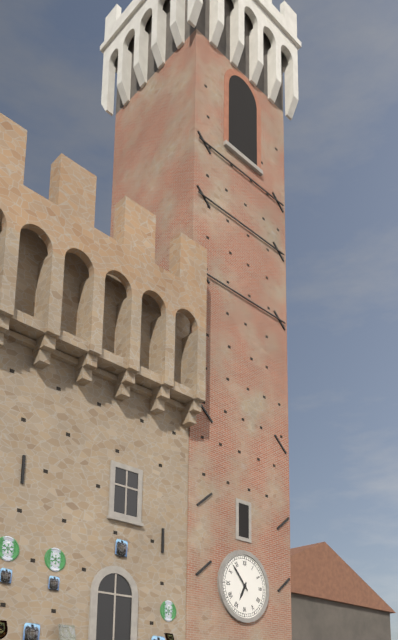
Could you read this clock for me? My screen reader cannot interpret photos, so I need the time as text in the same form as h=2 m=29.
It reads h=6 m=53
